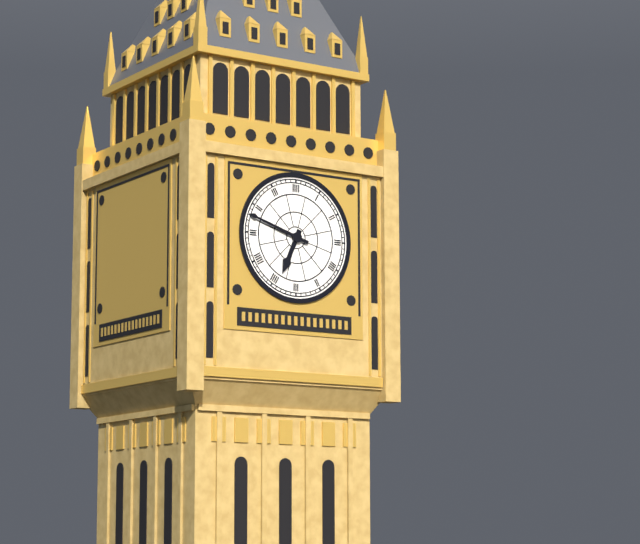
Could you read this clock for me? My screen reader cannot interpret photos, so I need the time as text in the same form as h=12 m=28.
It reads h=6 m=48
